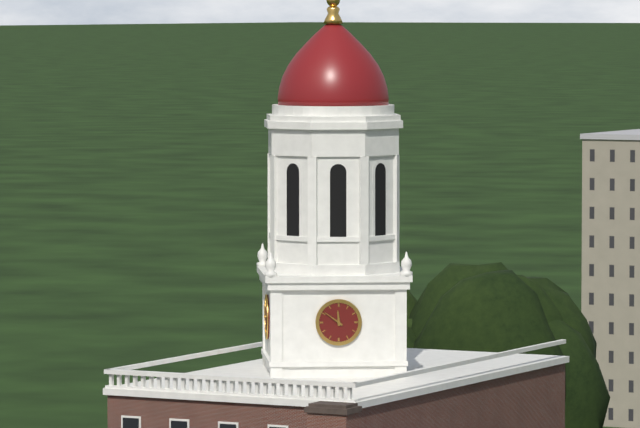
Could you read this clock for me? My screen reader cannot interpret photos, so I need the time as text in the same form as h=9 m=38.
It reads h=11 m=51
